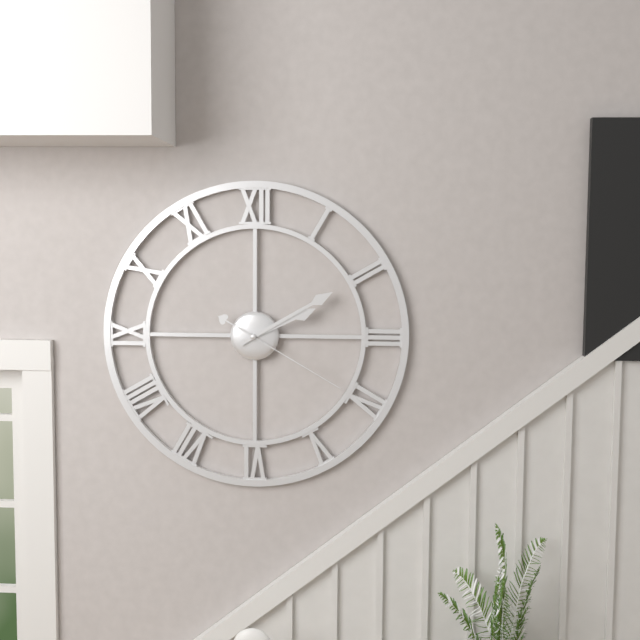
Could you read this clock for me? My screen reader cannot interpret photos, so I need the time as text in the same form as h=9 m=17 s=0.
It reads h=2 m=10 s=20
